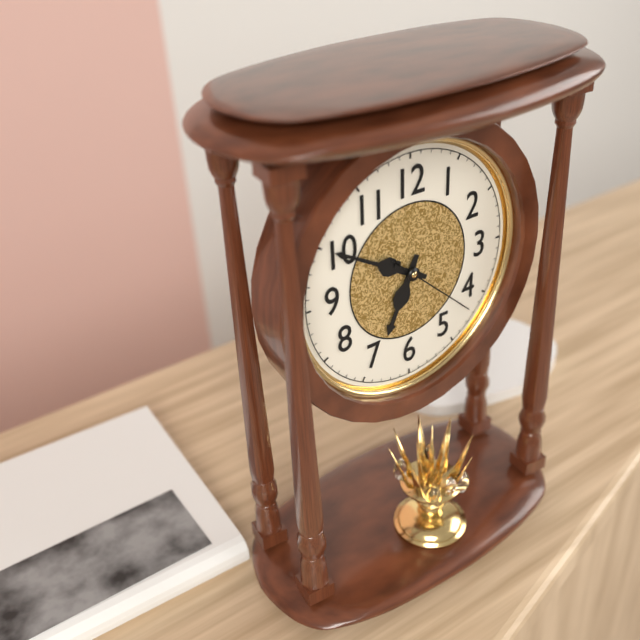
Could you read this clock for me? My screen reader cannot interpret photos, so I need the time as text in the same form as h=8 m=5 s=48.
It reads h=6 m=50 s=22
